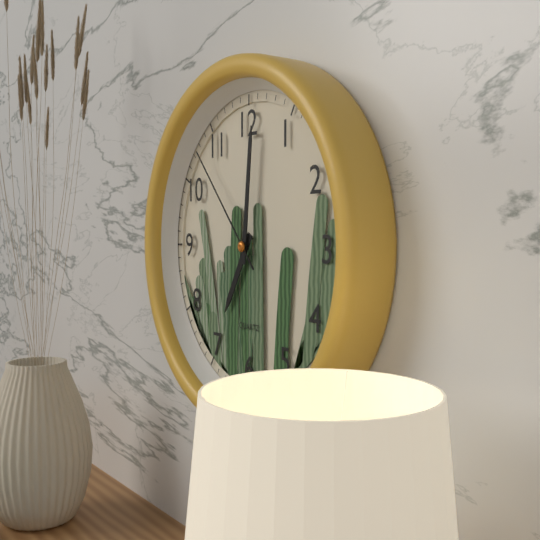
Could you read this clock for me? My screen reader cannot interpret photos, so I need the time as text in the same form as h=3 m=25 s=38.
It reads h=7 m=1 s=53
